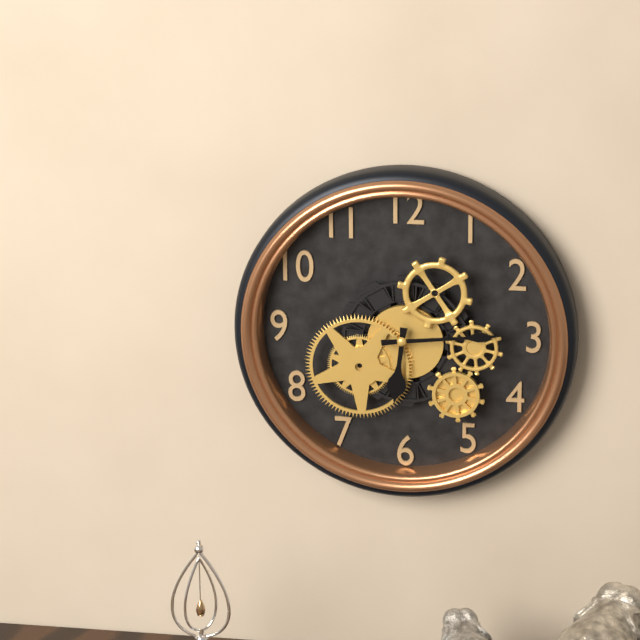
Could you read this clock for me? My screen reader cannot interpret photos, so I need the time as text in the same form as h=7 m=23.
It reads h=6 m=14
